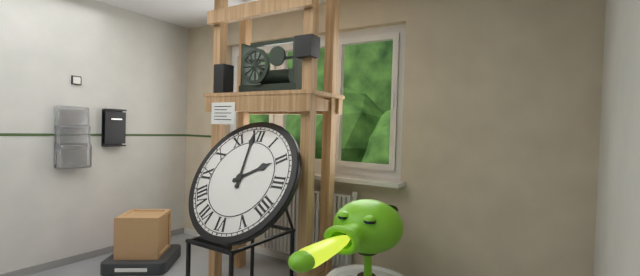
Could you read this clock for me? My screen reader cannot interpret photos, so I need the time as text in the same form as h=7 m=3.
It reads h=1 m=59
